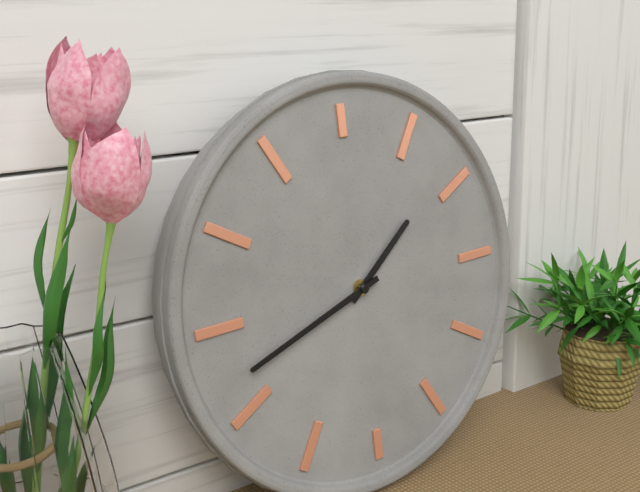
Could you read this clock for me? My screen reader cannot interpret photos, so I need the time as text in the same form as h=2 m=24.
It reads h=1 m=42
